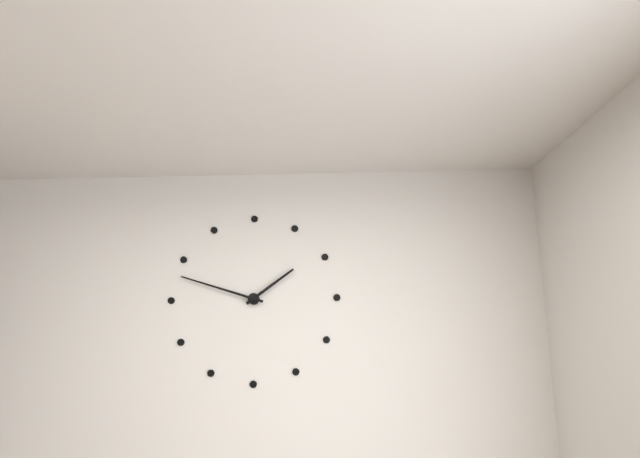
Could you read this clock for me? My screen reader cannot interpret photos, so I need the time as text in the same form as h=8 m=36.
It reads h=1 m=48
